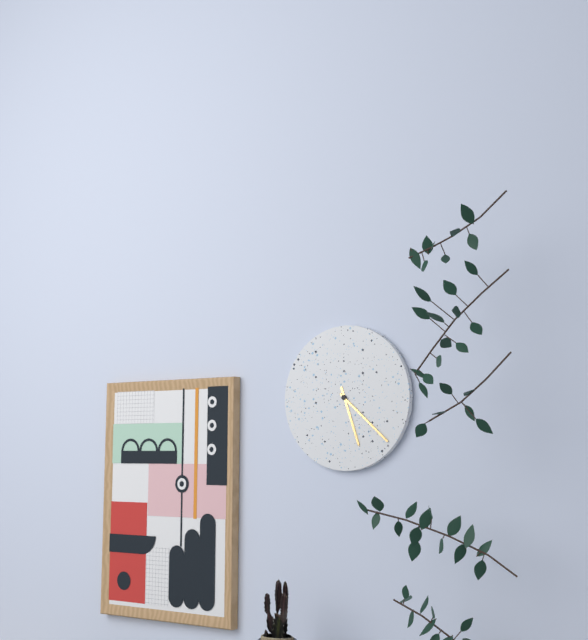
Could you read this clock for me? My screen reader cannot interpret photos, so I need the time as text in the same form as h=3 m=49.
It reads h=5 m=22
